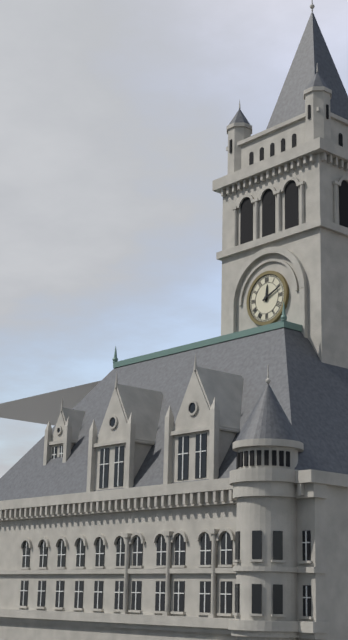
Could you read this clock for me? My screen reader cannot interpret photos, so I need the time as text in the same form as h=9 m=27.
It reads h=12 m=11
